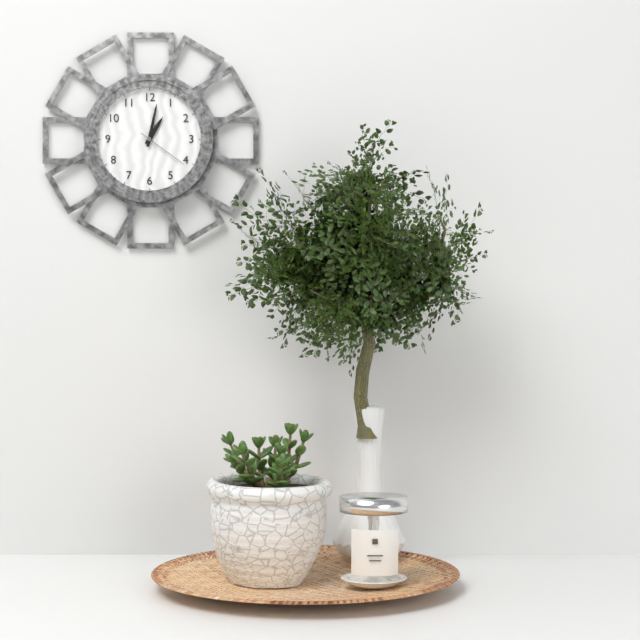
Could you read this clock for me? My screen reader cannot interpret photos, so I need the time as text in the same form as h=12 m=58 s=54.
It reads h=1 m=2 s=21
